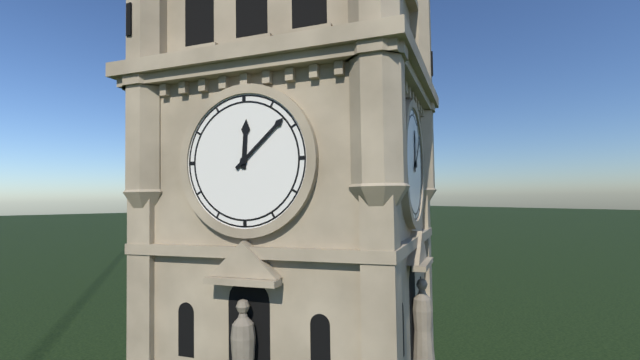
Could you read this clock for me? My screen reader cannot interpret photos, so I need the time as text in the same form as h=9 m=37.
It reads h=12 m=8
